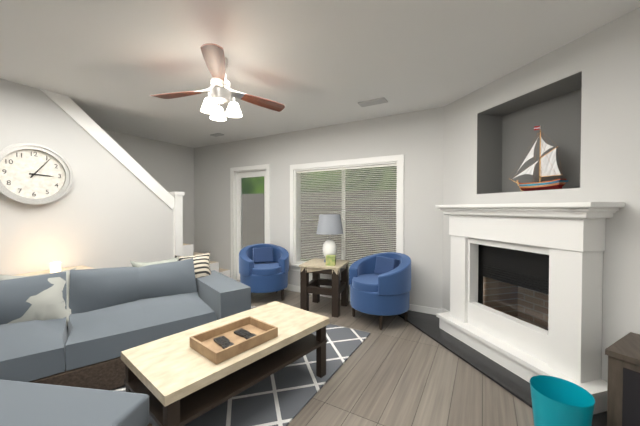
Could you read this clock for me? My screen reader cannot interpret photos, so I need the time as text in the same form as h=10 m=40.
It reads h=3 m=6
